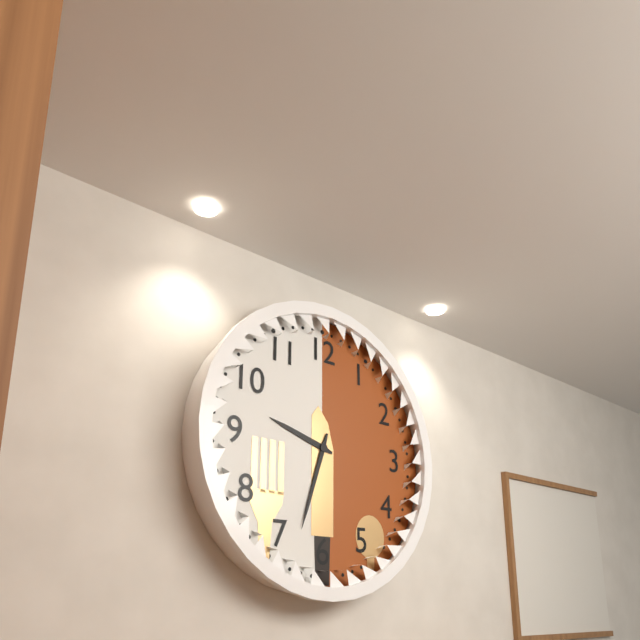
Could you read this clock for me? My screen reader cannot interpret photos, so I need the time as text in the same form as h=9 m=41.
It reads h=9 m=33
